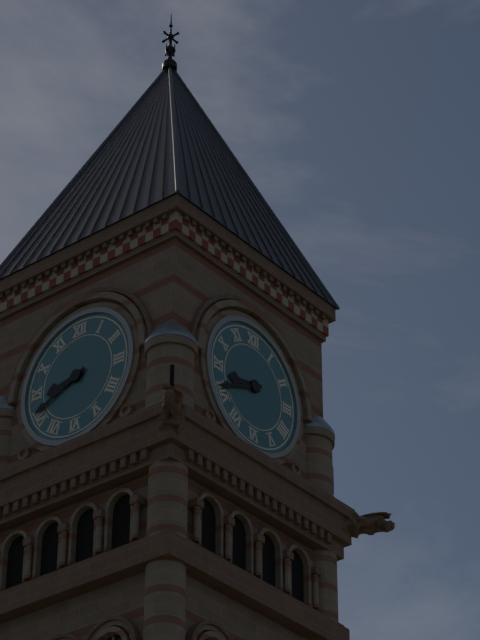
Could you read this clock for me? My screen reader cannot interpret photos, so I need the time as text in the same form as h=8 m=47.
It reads h=8 m=41
